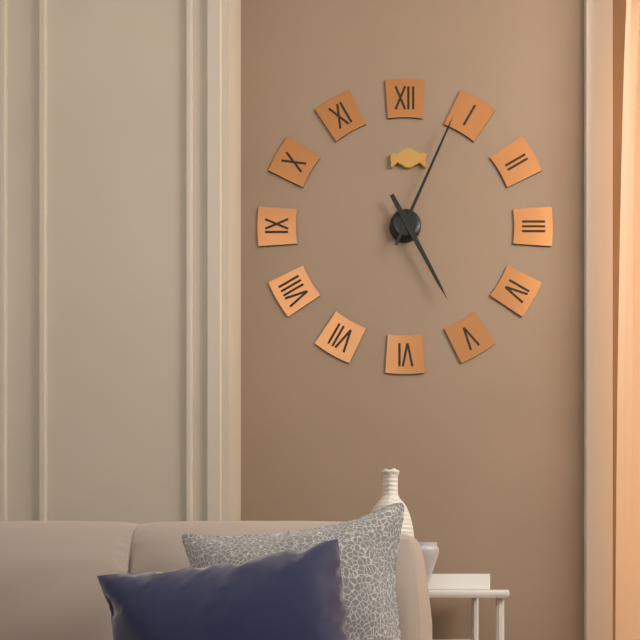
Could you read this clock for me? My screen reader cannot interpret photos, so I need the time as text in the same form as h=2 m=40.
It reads h=5 m=4
